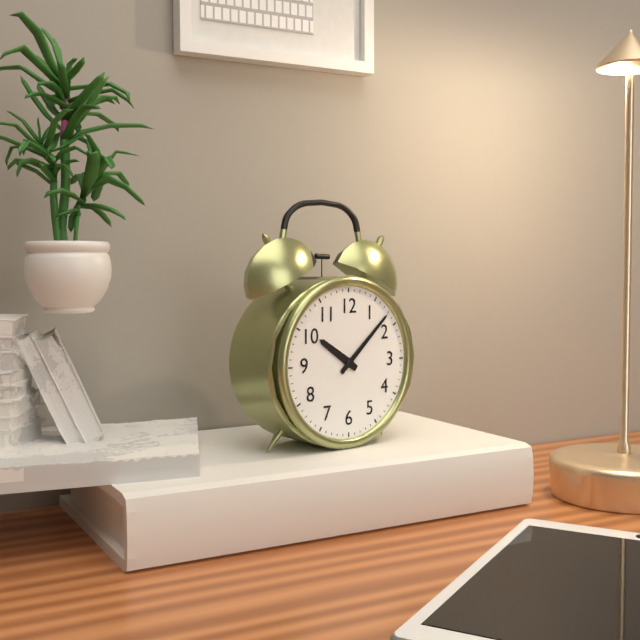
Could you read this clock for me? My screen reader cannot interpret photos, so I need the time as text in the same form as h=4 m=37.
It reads h=10 m=8
